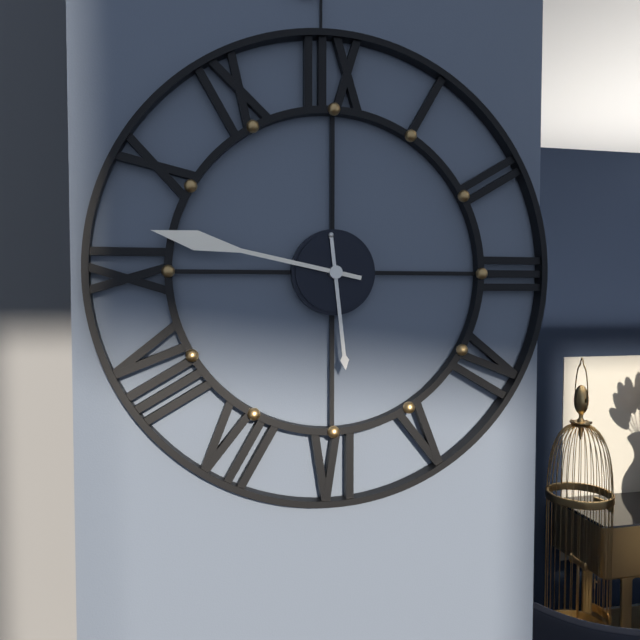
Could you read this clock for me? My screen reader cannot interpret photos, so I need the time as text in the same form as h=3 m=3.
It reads h=5 m=47
